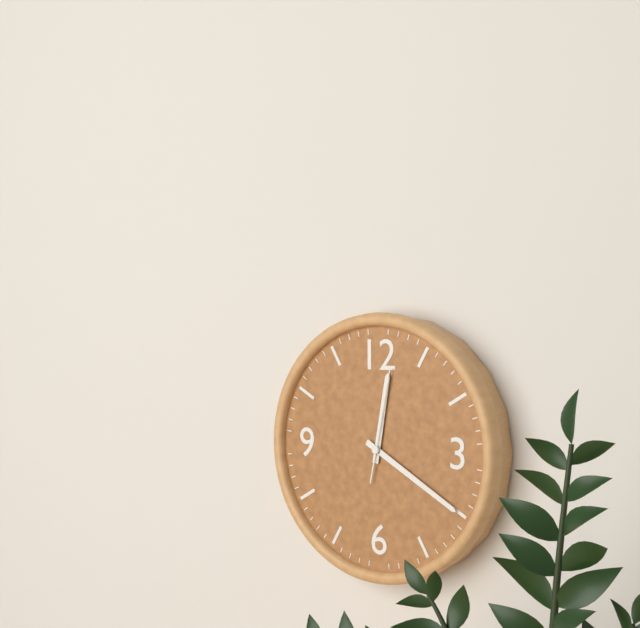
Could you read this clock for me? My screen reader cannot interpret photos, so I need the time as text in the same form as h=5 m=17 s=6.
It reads h=12 m=20 s=2
